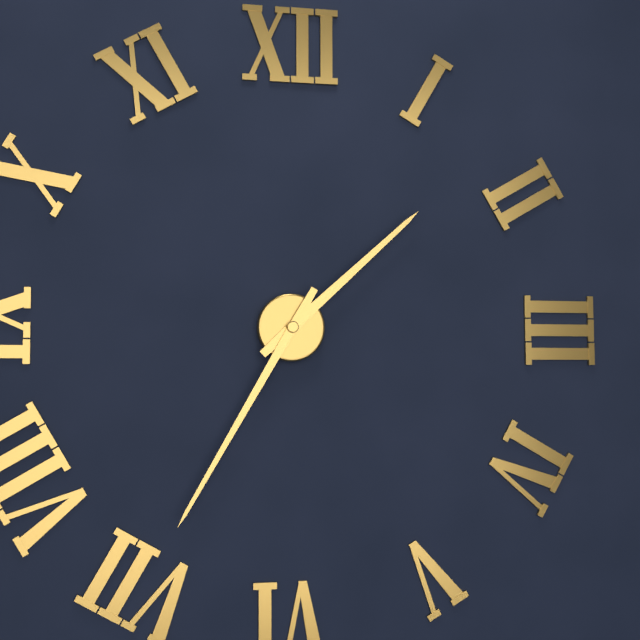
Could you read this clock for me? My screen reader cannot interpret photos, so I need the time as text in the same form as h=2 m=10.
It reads h=1 m=35
